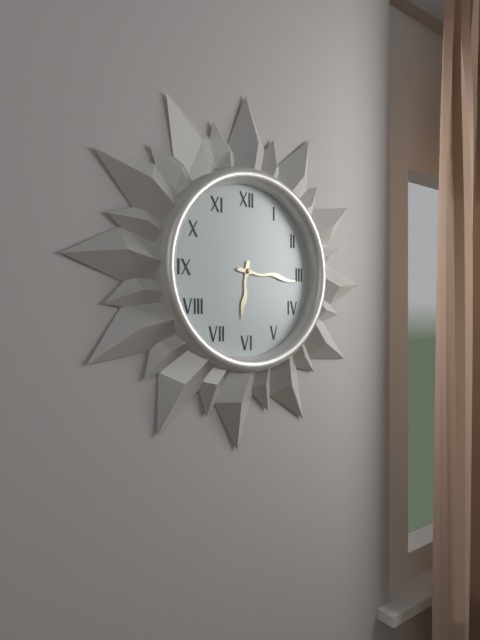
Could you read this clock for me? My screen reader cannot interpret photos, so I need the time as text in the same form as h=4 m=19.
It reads h=6 m=16
